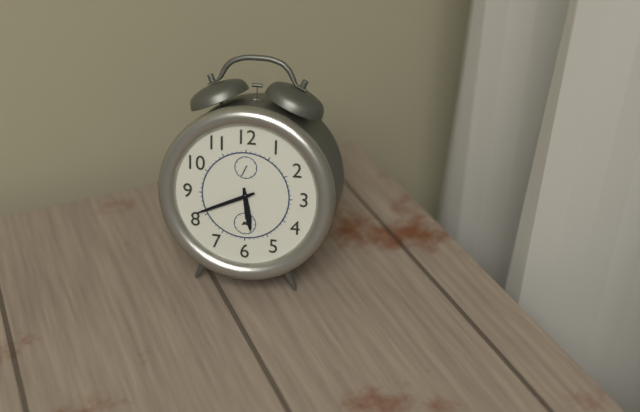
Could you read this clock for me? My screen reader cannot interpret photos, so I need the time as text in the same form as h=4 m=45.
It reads h=5 m=41
